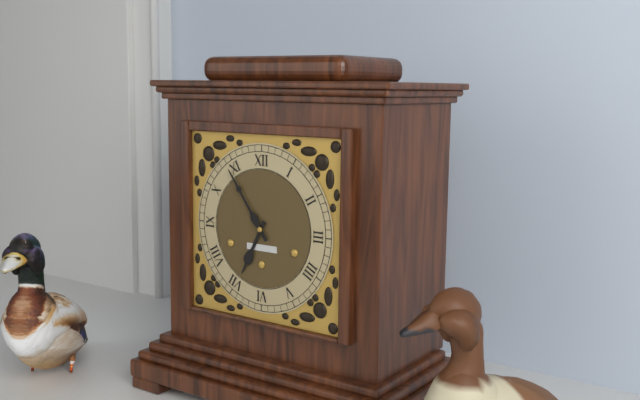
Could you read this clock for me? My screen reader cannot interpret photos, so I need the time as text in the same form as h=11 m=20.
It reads h=6 m=54
